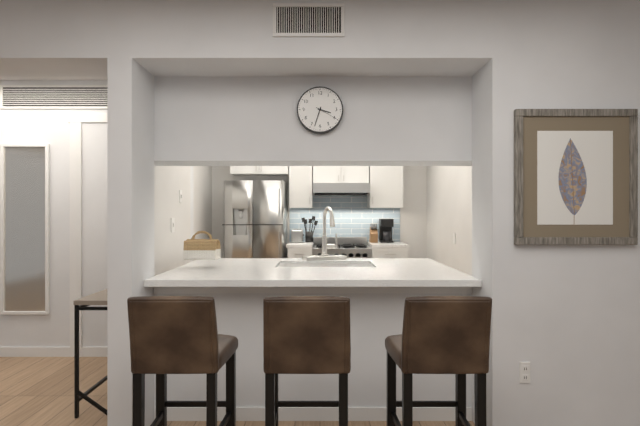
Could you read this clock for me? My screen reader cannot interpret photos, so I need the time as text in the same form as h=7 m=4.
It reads h=3 m=33
